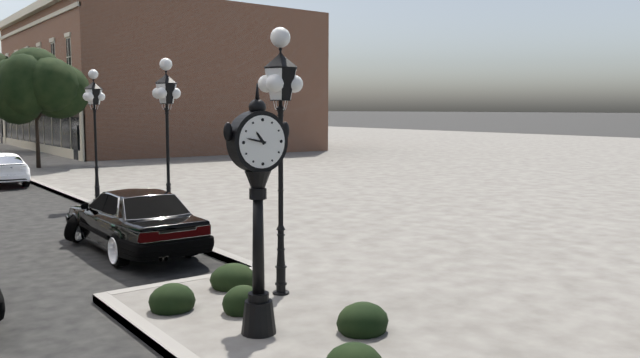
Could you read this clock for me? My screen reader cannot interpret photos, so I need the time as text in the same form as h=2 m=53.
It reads h=10 m=47
